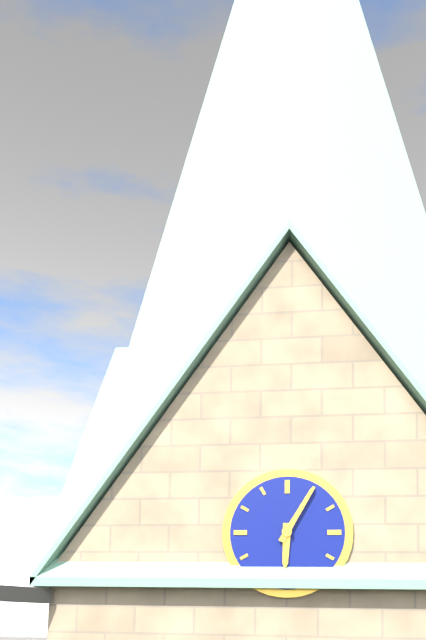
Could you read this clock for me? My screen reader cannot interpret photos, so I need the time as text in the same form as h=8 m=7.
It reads h=6 m=5
